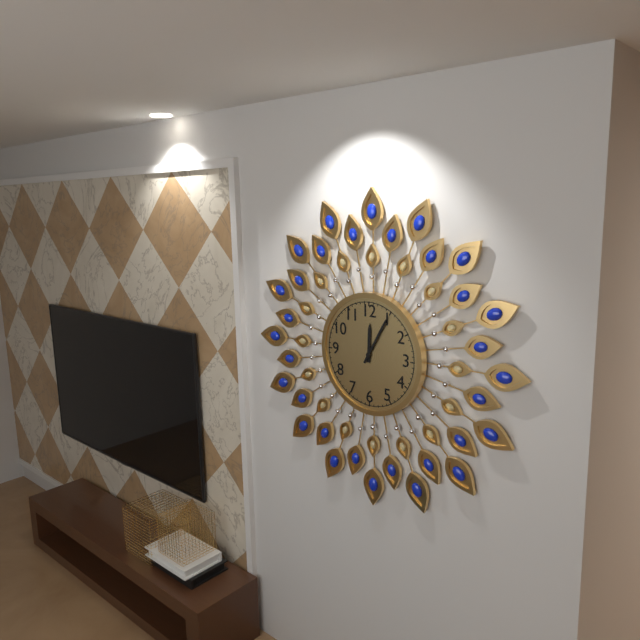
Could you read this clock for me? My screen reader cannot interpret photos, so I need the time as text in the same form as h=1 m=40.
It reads h=12 m=5
